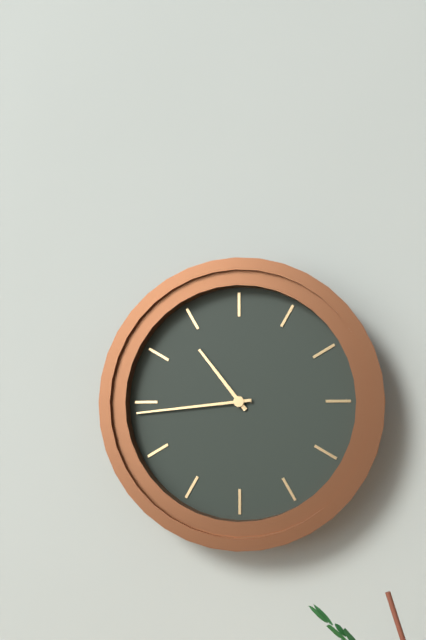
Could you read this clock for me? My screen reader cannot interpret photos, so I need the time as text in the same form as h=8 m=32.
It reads h=10 m=44
